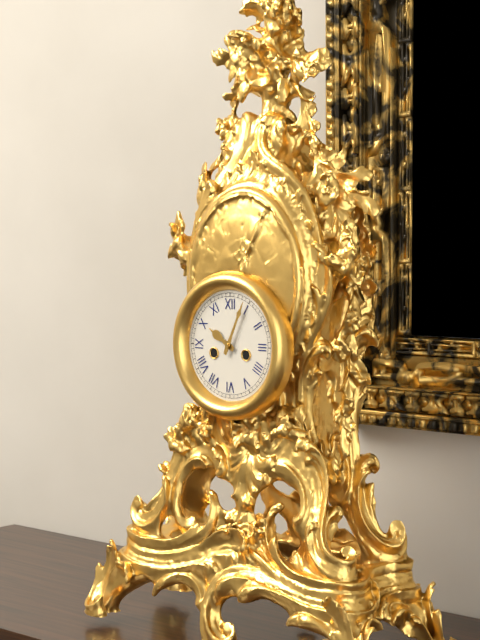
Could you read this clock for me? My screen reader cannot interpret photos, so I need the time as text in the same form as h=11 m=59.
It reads h=10 m=4
